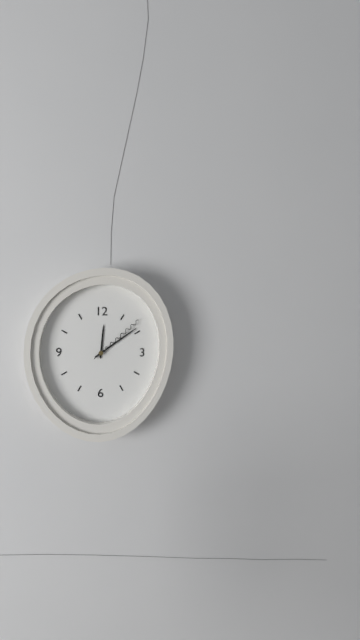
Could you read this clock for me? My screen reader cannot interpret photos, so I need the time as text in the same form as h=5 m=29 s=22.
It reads h=12 m=9 s=8
